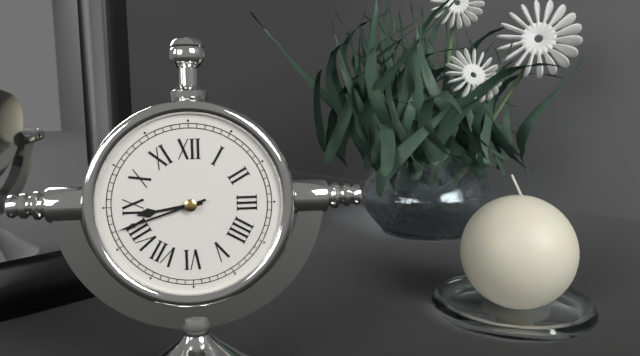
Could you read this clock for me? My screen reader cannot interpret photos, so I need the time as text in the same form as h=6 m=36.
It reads h=8 m=42
